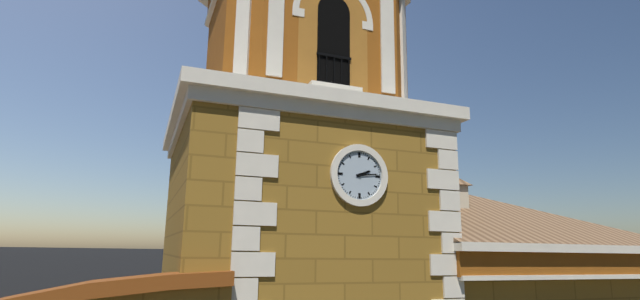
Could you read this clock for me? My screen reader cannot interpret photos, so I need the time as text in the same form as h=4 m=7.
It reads h=2 m=14
